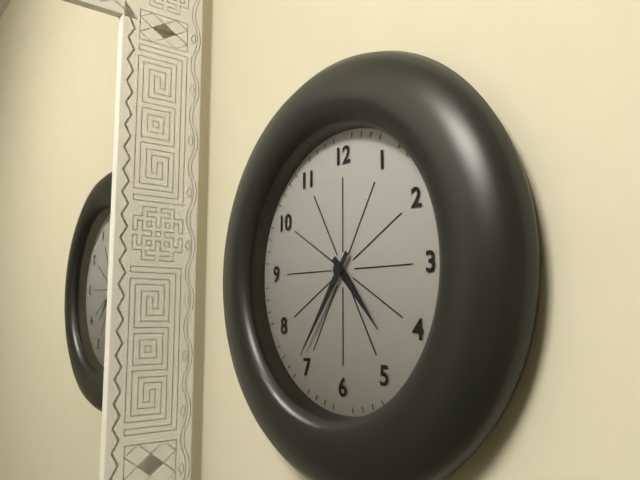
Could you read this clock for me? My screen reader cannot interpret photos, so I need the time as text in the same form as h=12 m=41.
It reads h=4 m=36
